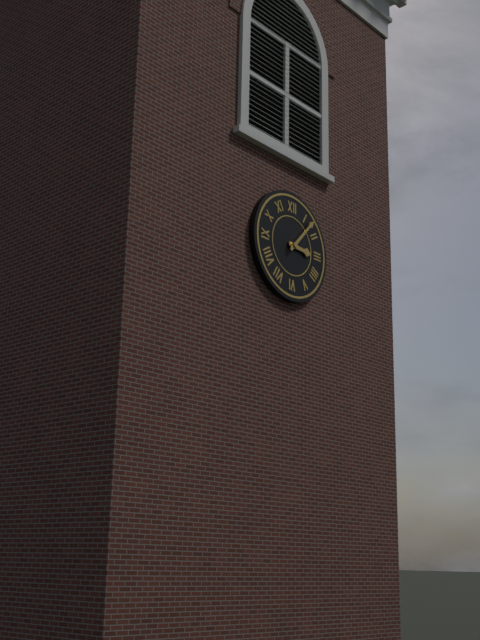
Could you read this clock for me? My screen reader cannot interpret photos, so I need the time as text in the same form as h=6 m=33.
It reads h=3 m=7
